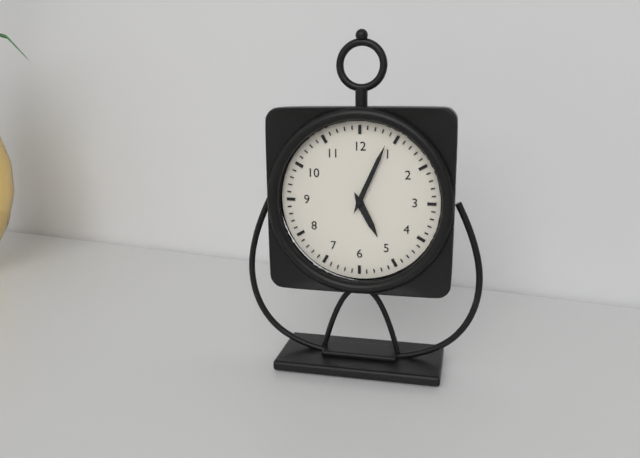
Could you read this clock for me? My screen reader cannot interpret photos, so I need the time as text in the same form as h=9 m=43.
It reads h=5 m=4
